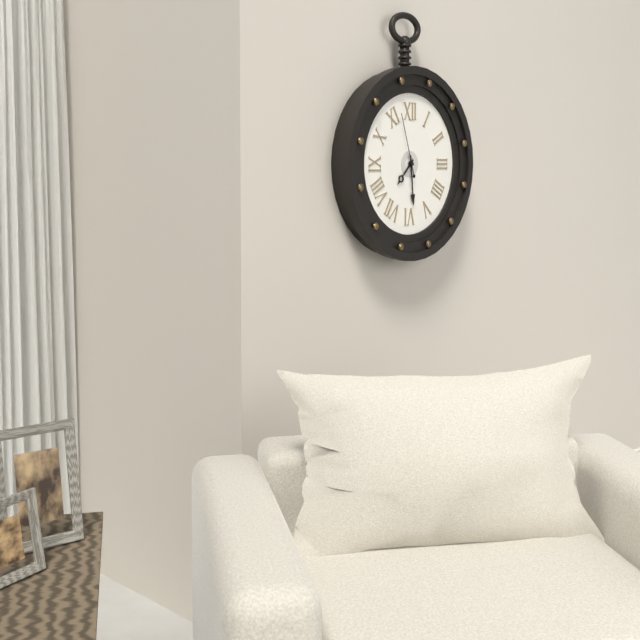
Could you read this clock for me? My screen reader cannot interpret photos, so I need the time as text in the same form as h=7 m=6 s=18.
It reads h=7 m=29 s=57
